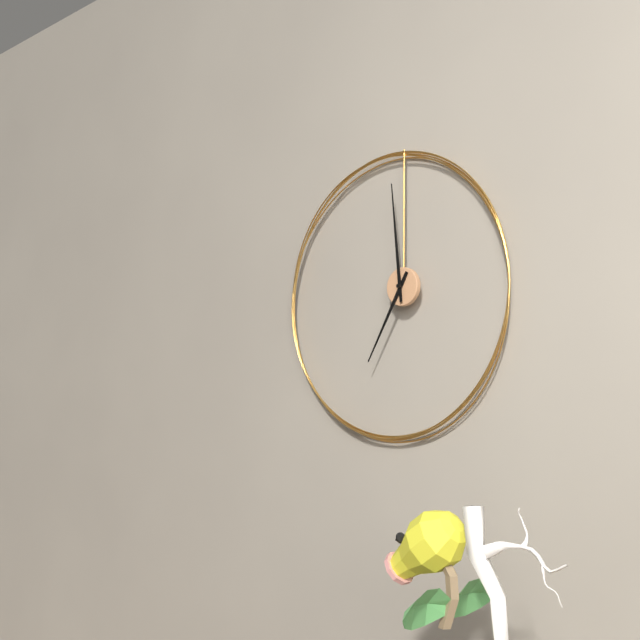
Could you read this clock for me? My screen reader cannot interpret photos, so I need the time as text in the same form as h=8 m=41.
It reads h=6 m=59
